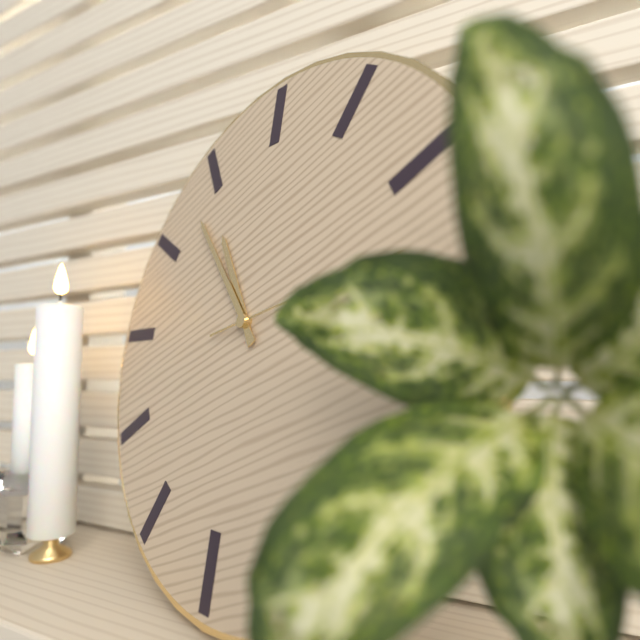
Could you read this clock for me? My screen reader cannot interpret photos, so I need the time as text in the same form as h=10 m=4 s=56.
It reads h=10 m=53 s=13
